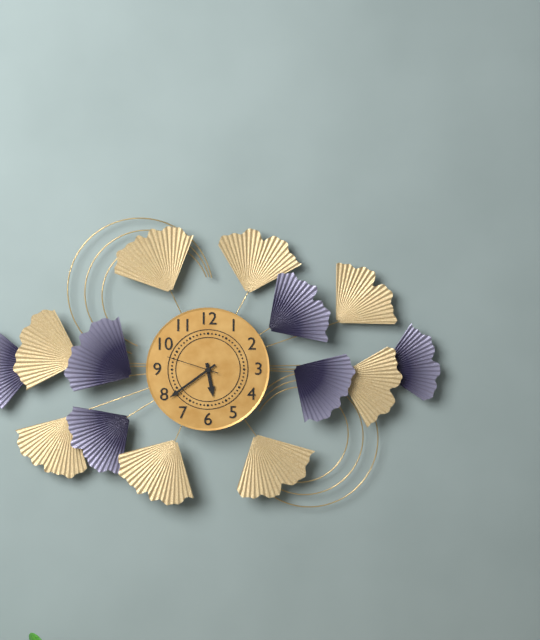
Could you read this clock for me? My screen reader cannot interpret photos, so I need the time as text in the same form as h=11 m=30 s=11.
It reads h=5 m=39 s=48
